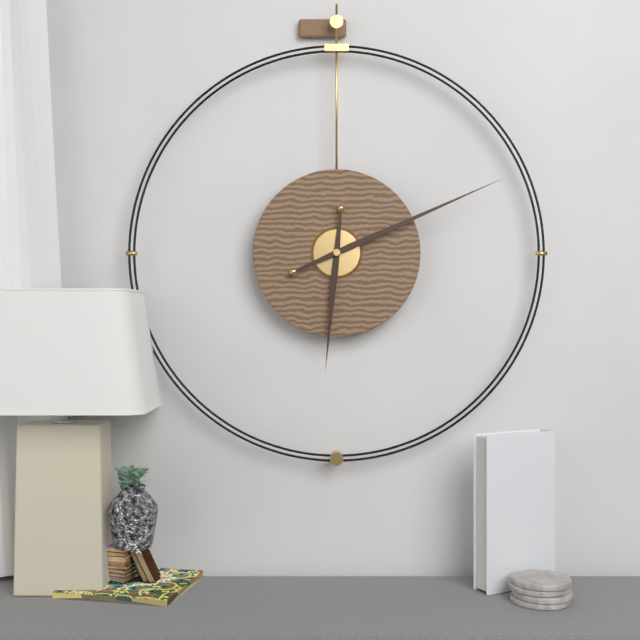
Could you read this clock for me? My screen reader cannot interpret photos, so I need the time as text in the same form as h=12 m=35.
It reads h=6 m=11
